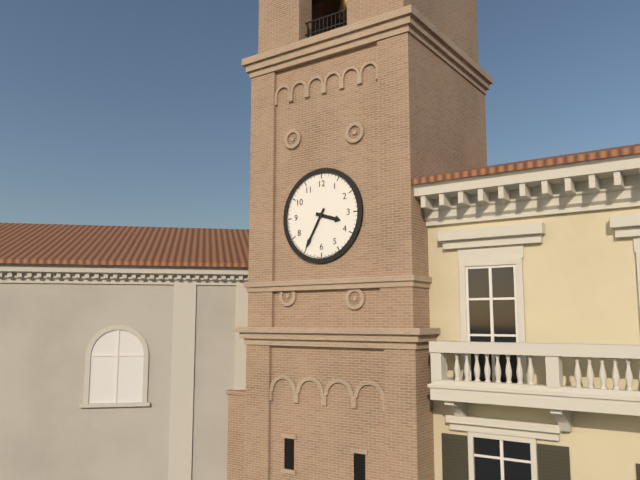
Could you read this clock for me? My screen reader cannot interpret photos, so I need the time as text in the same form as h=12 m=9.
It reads h=3 m=35
